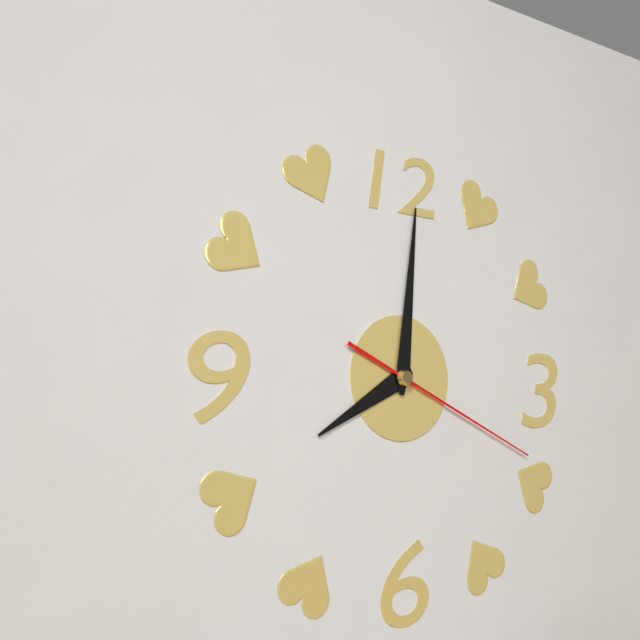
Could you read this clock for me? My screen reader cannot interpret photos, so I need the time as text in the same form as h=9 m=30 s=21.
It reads h=8 m=1 s=19
